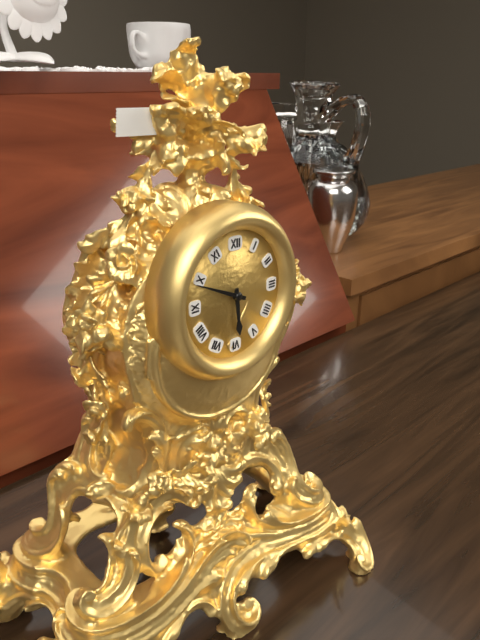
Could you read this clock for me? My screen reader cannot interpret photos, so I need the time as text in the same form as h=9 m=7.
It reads h=5 m=49
